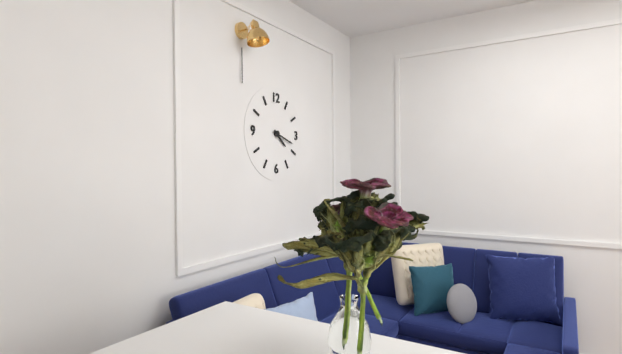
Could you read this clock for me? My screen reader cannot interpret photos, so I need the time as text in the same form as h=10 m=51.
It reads h=4 m=18
